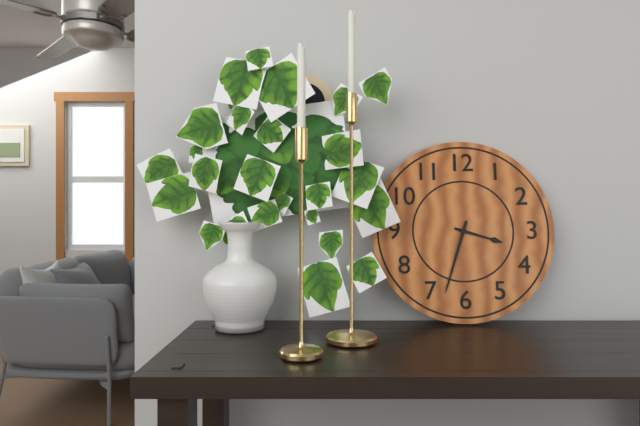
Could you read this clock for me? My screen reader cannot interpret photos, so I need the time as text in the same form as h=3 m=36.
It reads h=3 m=33
